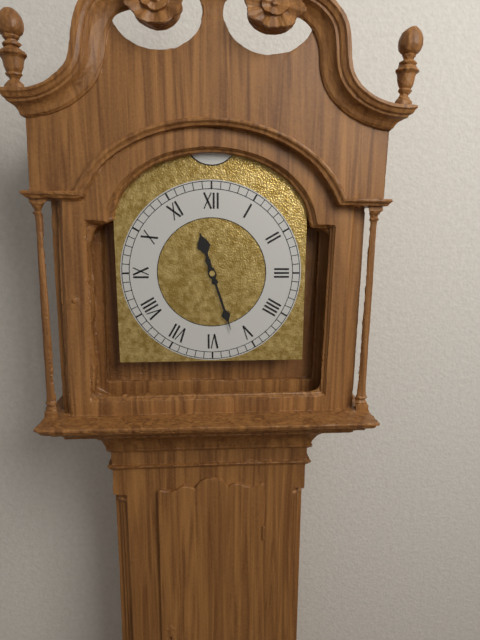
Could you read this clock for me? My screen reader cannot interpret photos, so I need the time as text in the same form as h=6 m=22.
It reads h=11 m=27
